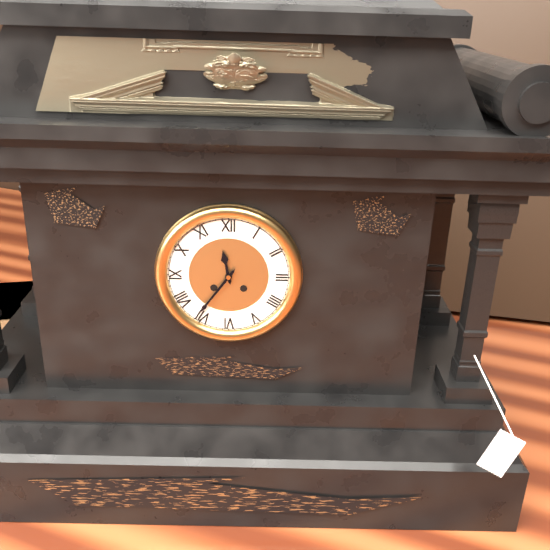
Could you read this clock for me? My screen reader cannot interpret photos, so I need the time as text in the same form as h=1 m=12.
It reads h=11 m=36
